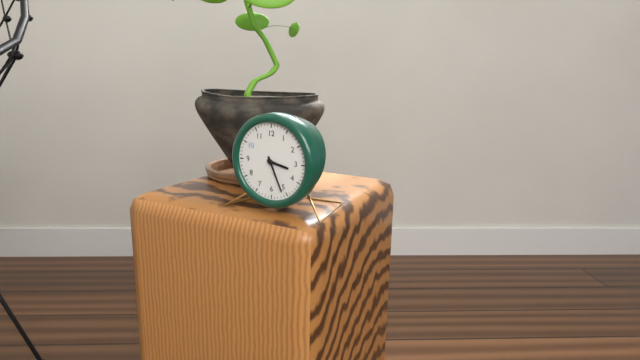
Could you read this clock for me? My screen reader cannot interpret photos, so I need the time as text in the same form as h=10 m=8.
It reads h=3 m=26
